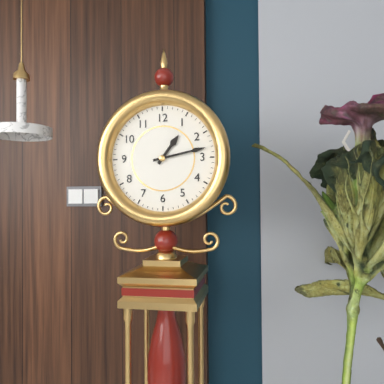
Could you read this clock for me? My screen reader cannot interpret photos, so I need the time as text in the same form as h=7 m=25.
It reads h=1 m=13
